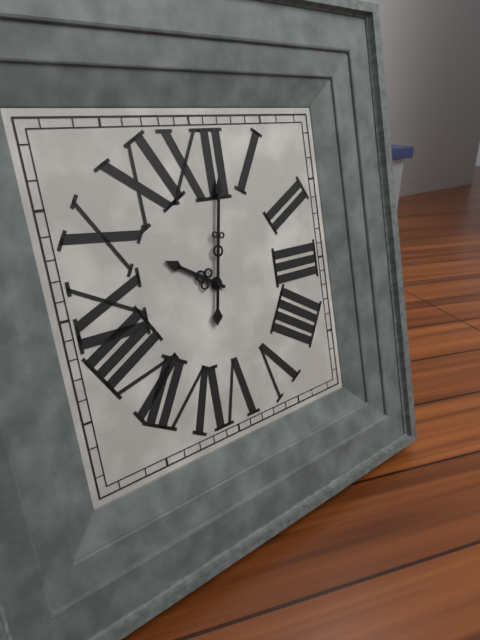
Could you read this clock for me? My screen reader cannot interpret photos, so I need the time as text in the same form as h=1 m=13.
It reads h=10 m=2
